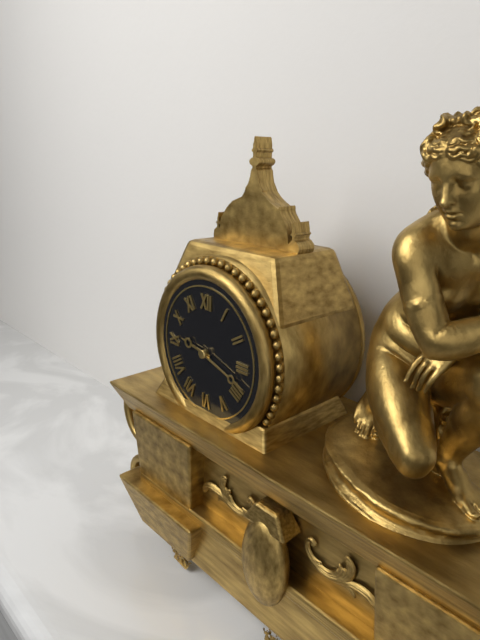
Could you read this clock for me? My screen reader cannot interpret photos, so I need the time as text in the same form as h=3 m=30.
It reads h=9 m=18
